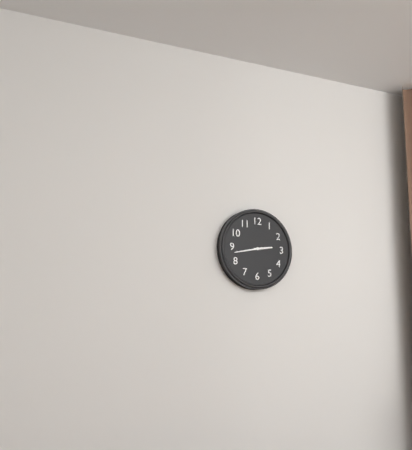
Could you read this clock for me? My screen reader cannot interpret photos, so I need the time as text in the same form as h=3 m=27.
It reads h=2 m=43
